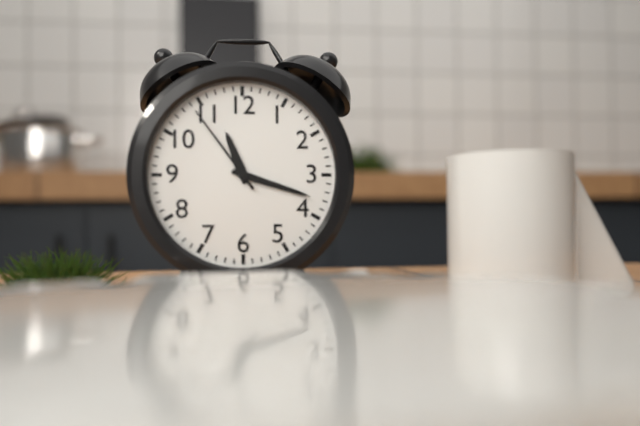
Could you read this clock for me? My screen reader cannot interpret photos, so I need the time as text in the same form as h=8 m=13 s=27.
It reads h=11 m=18 s=54
